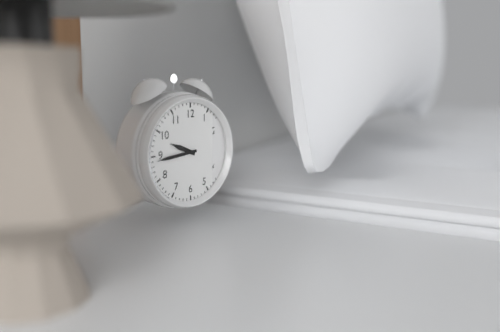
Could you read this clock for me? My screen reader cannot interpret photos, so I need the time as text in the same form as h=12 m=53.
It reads h=9 m=44
